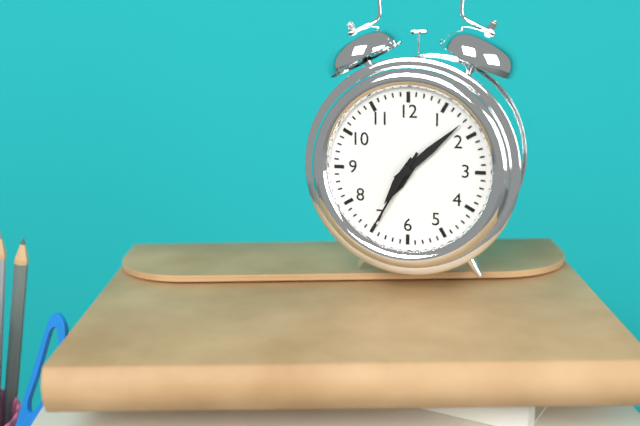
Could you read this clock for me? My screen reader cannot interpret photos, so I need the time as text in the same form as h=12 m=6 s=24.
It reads h=7 m=8 s=35
